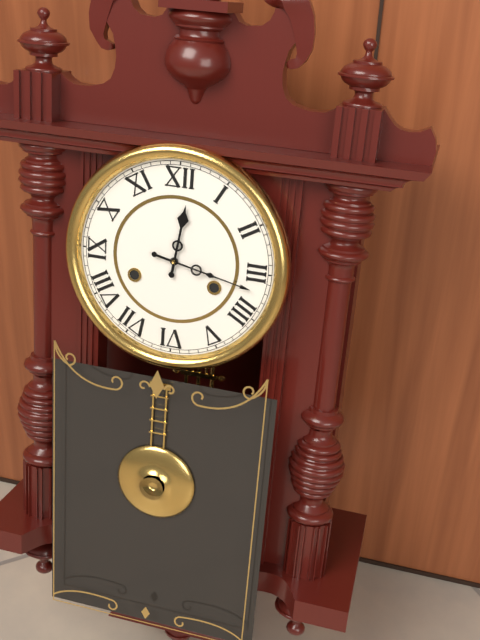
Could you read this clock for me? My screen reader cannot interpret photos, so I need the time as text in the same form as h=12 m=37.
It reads h=12 m=17
